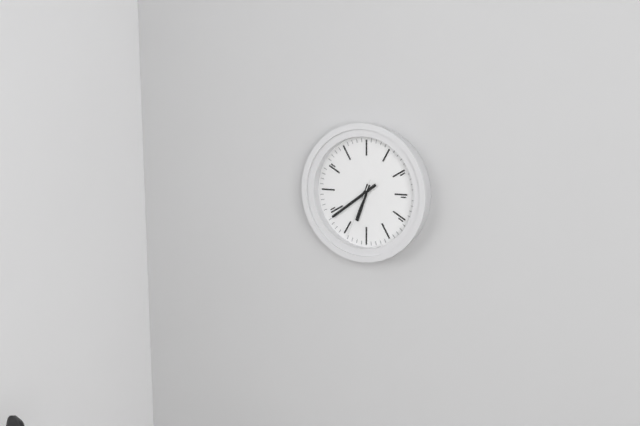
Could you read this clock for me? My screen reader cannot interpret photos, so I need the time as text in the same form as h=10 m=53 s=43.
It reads h=6 m=39 s=34
